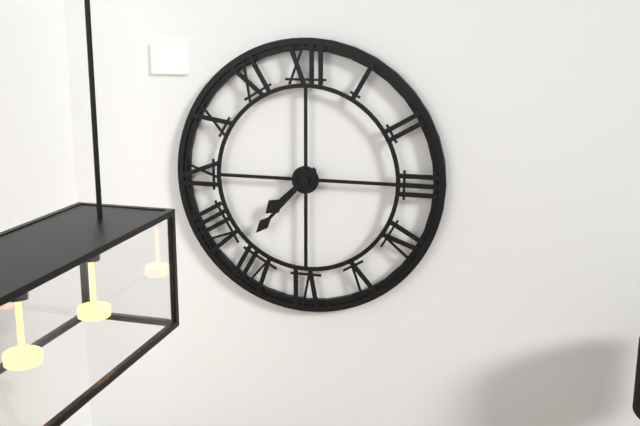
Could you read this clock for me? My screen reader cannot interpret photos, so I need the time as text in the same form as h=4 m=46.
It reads h=7 m=37
